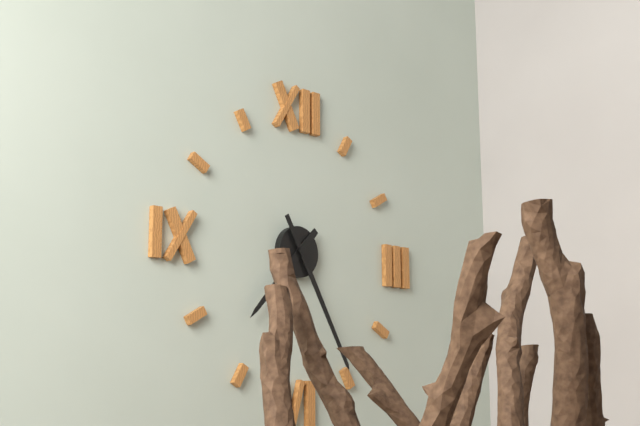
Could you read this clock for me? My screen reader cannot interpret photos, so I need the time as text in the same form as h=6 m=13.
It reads h=7 m=25
